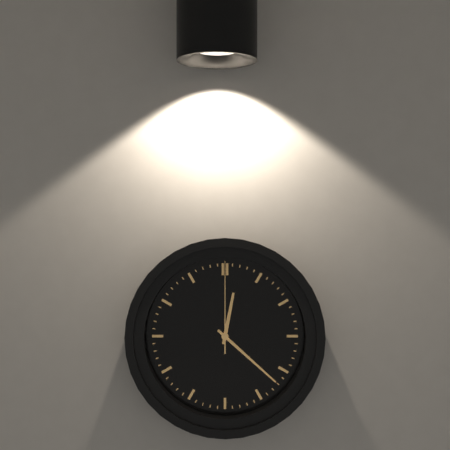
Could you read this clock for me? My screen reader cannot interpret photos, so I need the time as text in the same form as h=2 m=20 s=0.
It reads h=12 m=22 s=0
